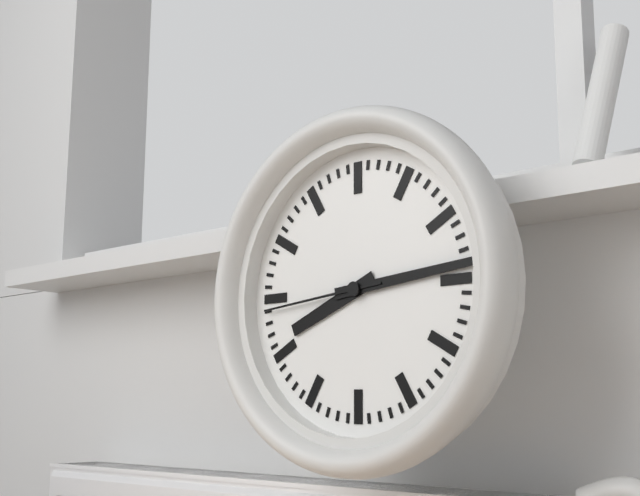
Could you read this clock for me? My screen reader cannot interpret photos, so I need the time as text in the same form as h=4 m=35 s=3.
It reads h=8 m=14 s=44
